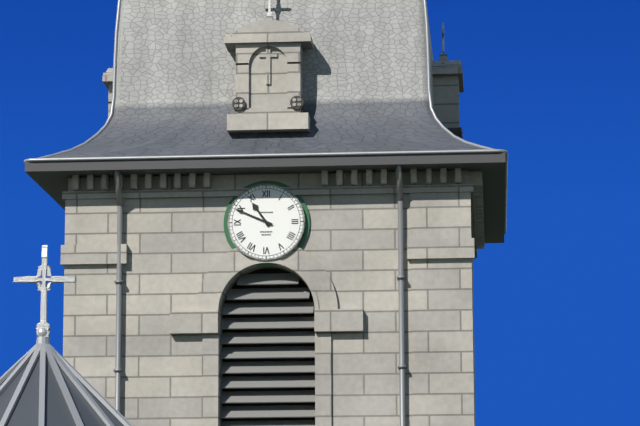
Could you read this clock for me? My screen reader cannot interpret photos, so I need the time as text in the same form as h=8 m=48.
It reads h=10 m=49
